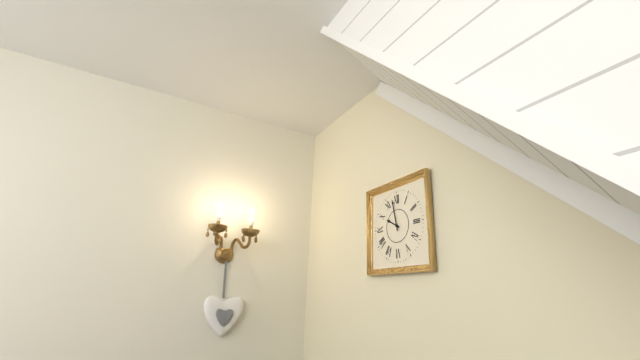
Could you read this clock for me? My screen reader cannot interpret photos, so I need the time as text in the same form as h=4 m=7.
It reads h=9 m=58
